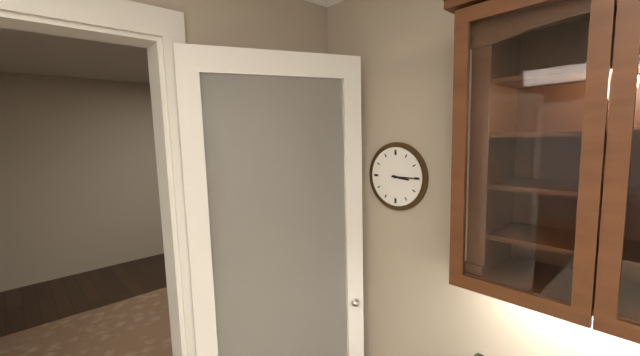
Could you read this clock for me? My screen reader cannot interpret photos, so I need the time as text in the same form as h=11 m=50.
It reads h=3 m=15
